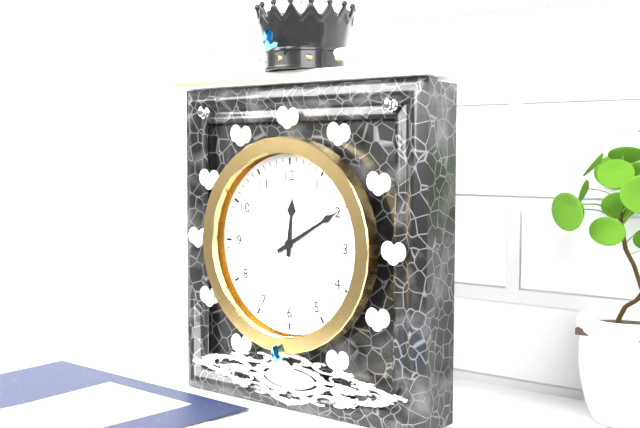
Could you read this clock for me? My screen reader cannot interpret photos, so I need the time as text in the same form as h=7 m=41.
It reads h=12 m=10
